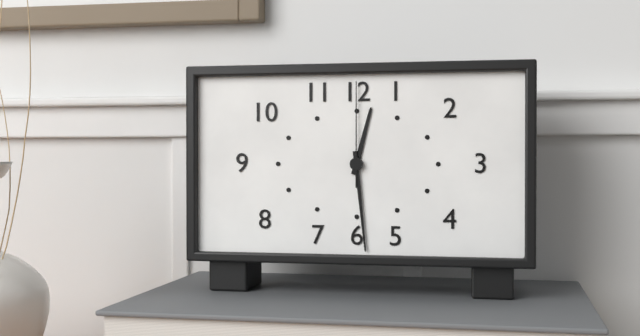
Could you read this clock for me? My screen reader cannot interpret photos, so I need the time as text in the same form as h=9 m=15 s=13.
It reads h=12 m=29 s=0
